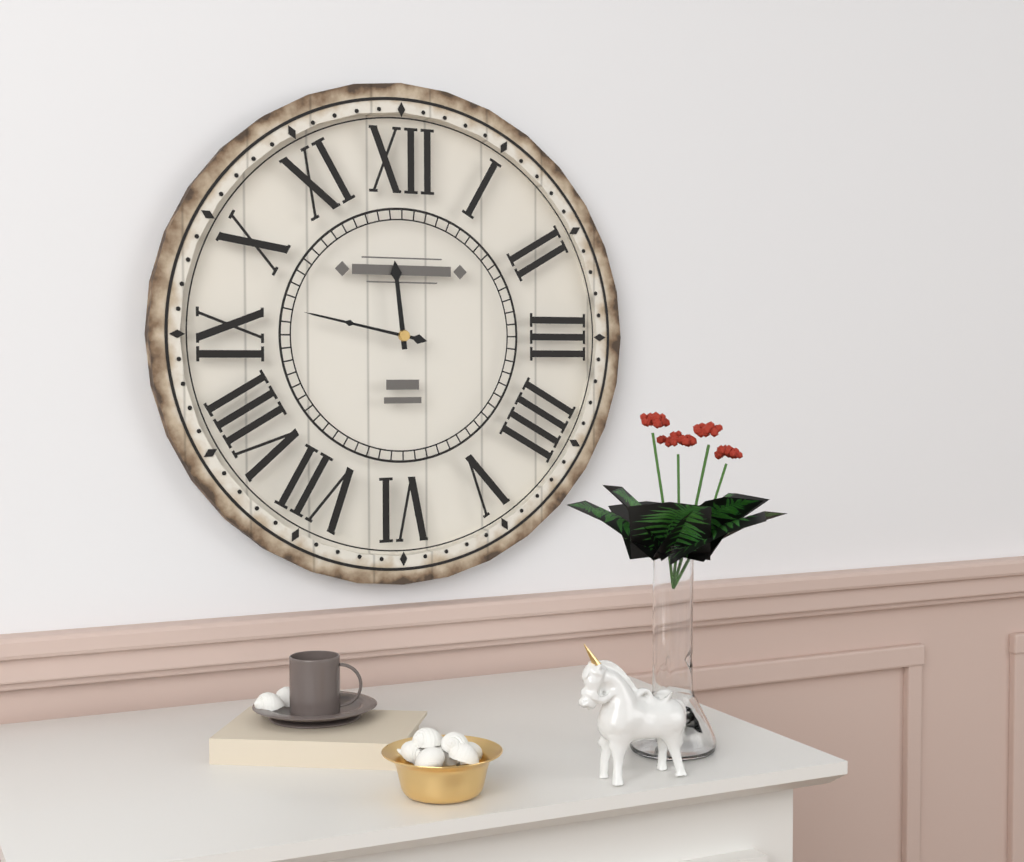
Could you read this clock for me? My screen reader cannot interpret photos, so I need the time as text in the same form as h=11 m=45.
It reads h=11 m=47
